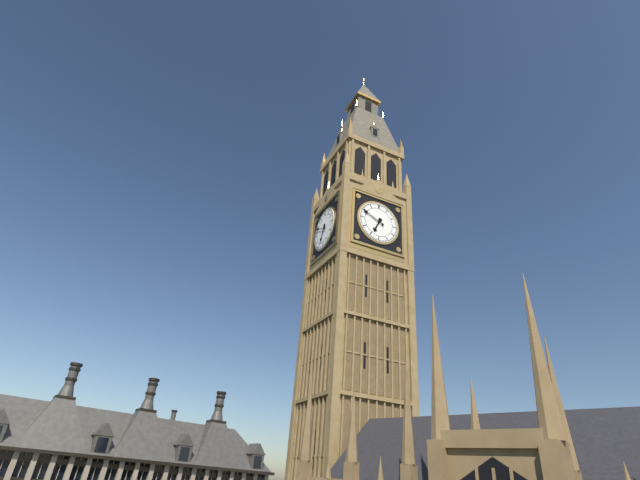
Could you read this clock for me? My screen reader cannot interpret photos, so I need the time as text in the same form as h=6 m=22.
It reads h=6 m=49
